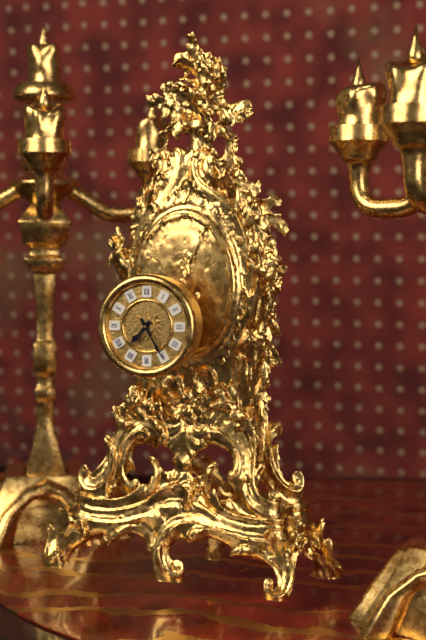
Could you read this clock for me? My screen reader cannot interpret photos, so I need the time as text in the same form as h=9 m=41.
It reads h=7 m=25
